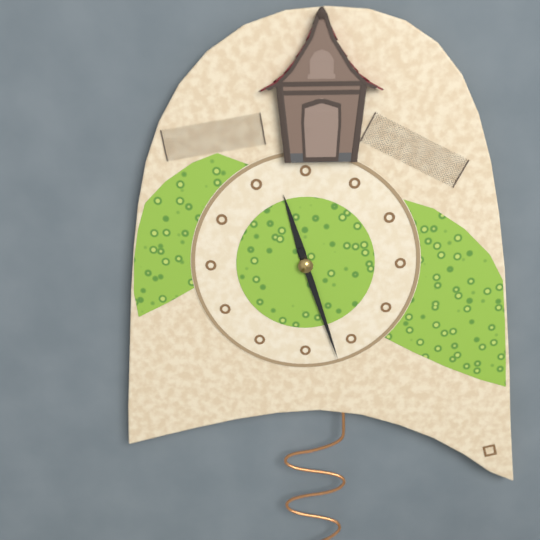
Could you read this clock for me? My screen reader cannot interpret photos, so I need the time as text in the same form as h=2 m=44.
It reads h=11 m=27
